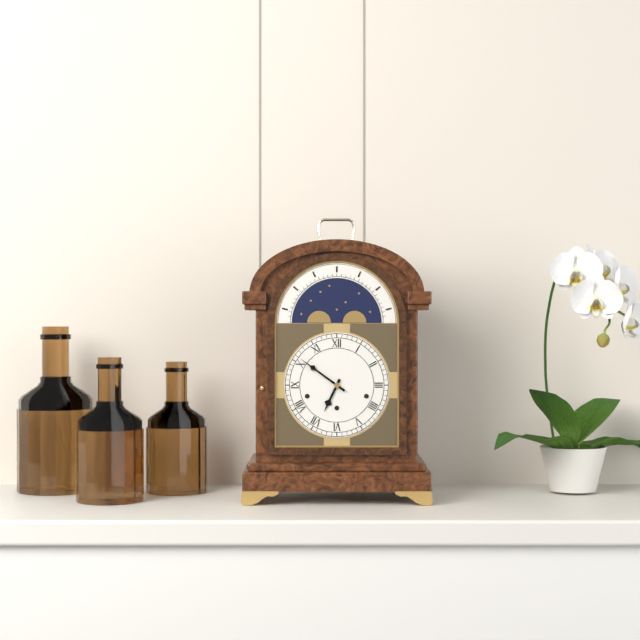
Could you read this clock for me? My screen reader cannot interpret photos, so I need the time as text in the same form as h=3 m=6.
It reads h=6 m=51
